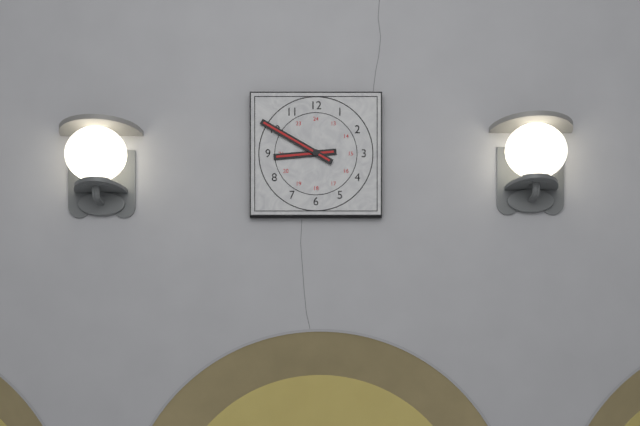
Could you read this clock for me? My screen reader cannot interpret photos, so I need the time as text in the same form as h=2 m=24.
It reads h=8 m=50
